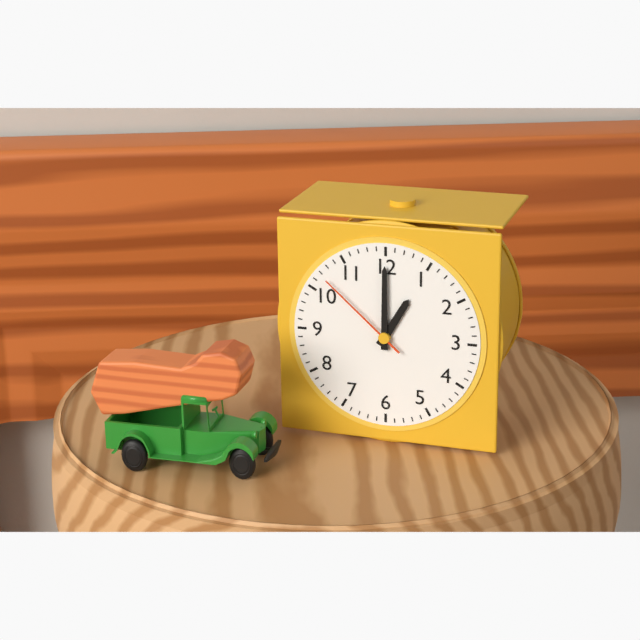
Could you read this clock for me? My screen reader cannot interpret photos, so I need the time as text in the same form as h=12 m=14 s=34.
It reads h=1 m=0 s=52
